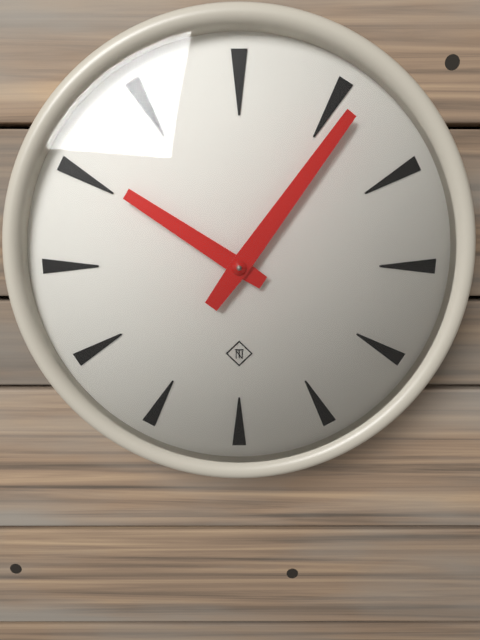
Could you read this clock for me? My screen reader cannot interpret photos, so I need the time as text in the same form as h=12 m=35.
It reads h=10 m=6
